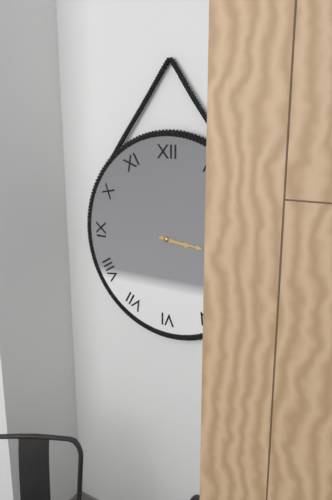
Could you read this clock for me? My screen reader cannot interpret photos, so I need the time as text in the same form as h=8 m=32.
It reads h=3 m=16
